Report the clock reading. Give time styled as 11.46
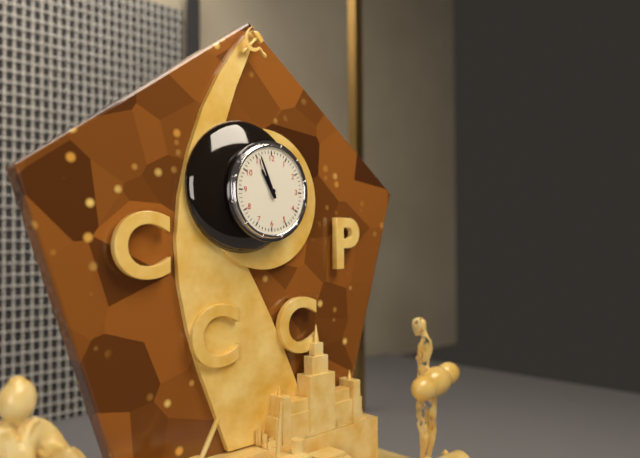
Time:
10.56
